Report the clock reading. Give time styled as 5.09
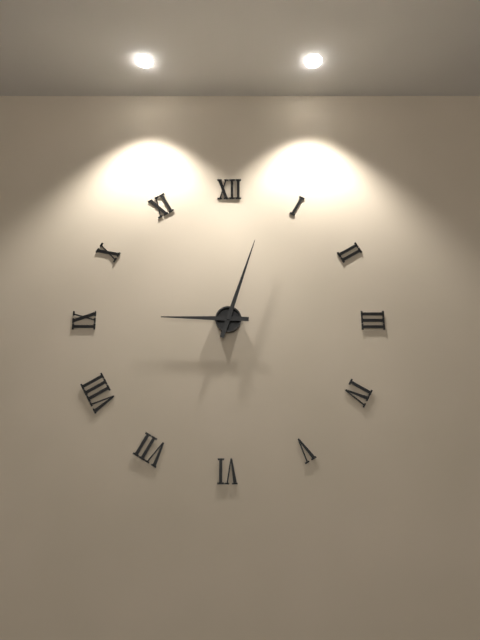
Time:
9.03
